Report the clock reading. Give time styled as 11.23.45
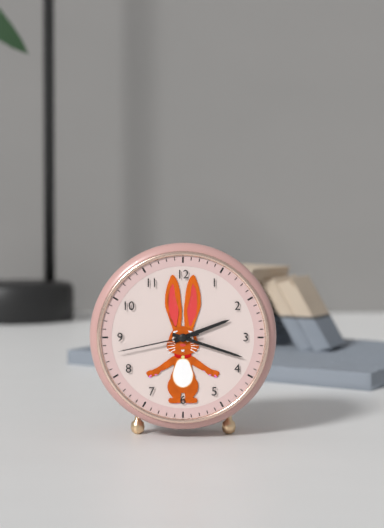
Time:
2.18.43
